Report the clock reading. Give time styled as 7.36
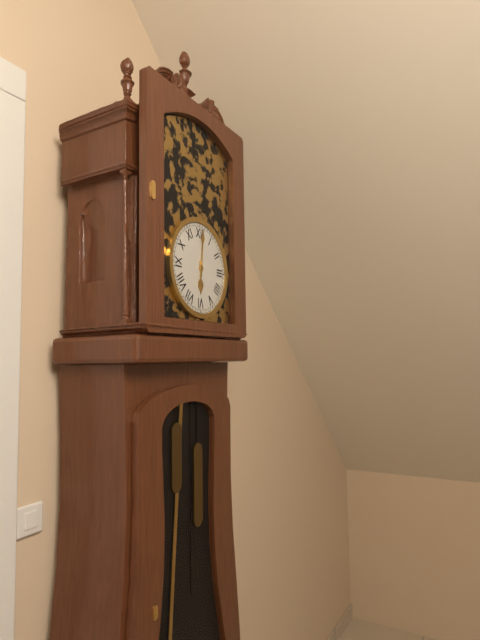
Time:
6.01
